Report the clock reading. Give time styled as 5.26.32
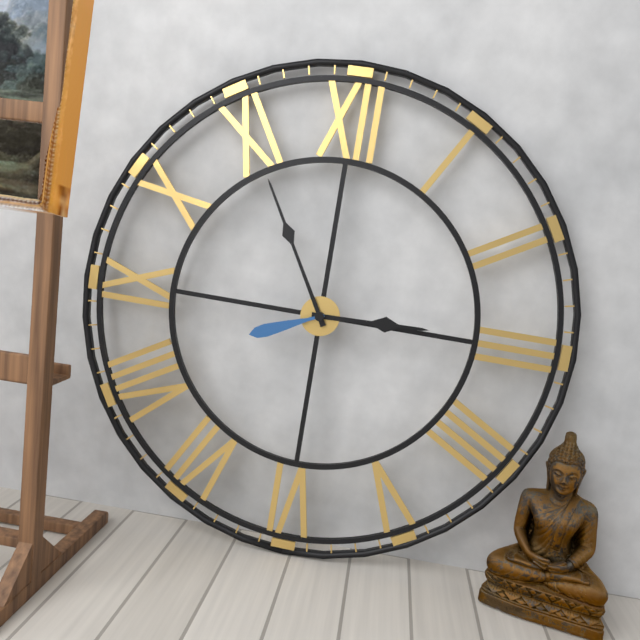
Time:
2.55.41
